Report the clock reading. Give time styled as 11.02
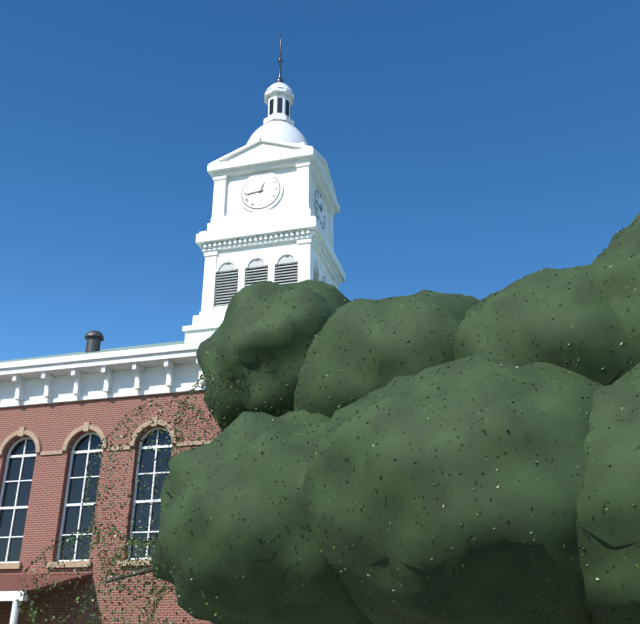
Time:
12.44
